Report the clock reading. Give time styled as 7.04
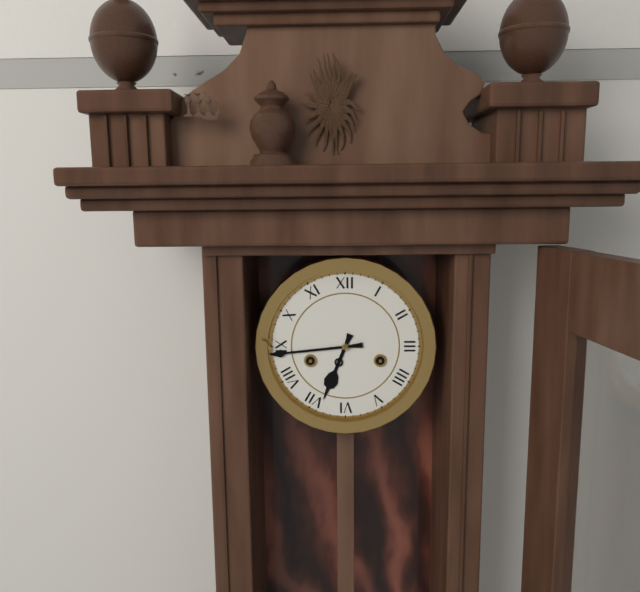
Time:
6.44
